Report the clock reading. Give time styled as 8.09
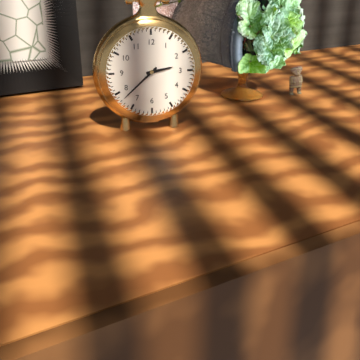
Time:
2.38
